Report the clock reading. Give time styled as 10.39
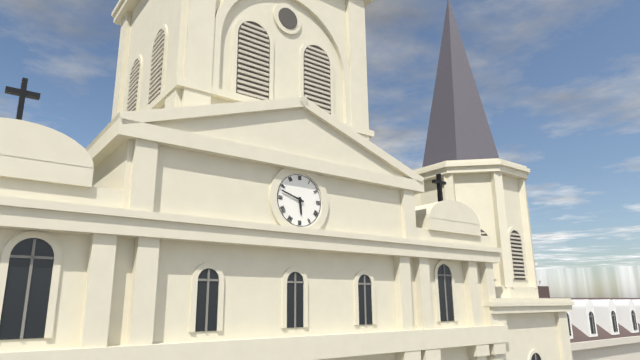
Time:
5.48
